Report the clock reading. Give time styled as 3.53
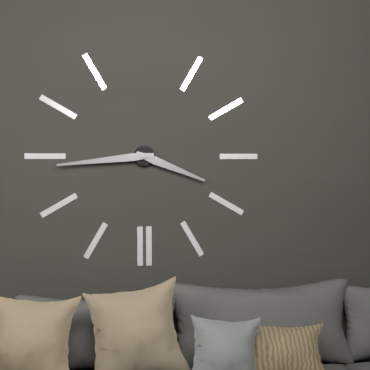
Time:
3.44
